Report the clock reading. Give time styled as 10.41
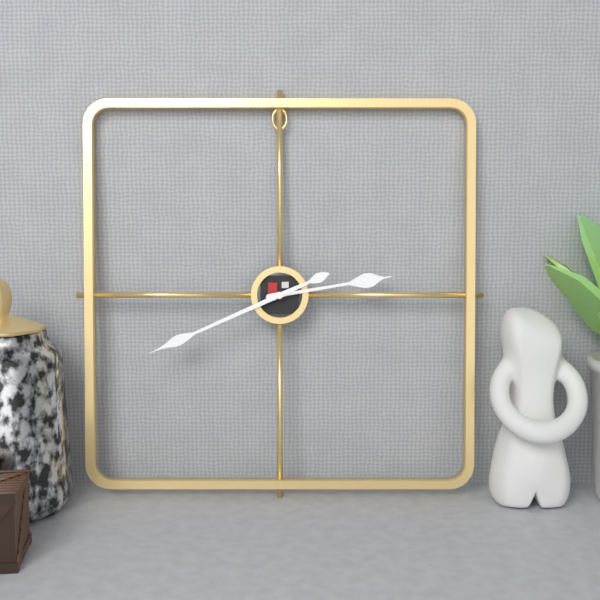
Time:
2.41
